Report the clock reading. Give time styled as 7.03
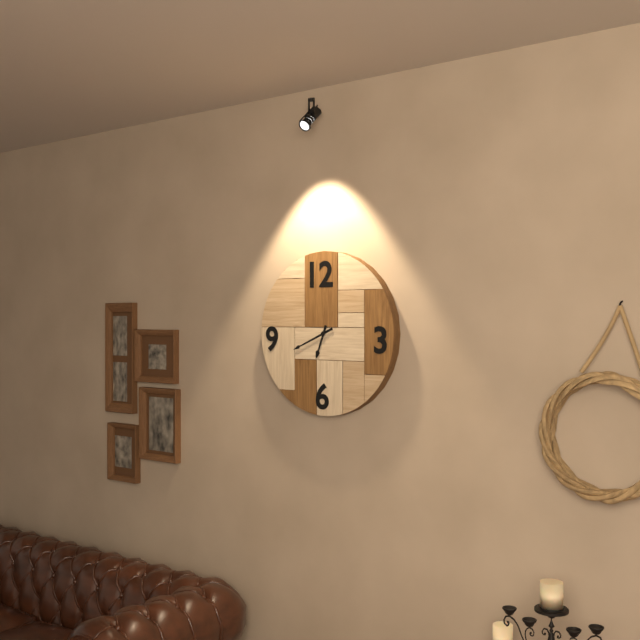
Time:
6.41
